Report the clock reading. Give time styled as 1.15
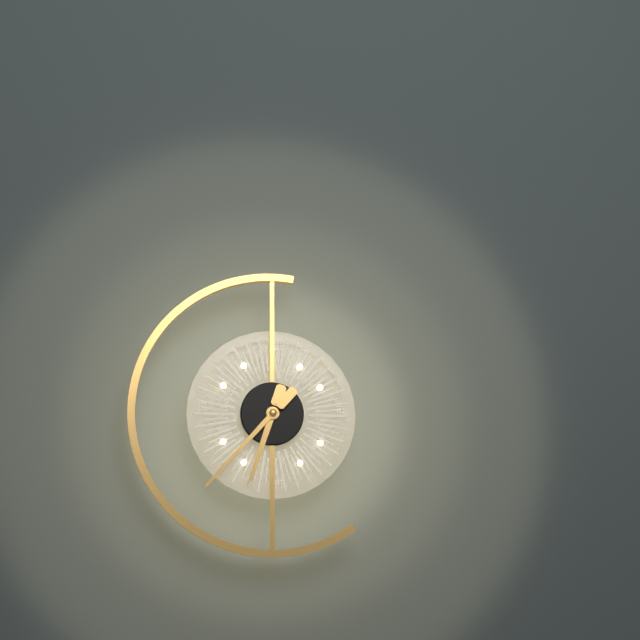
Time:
6.37
